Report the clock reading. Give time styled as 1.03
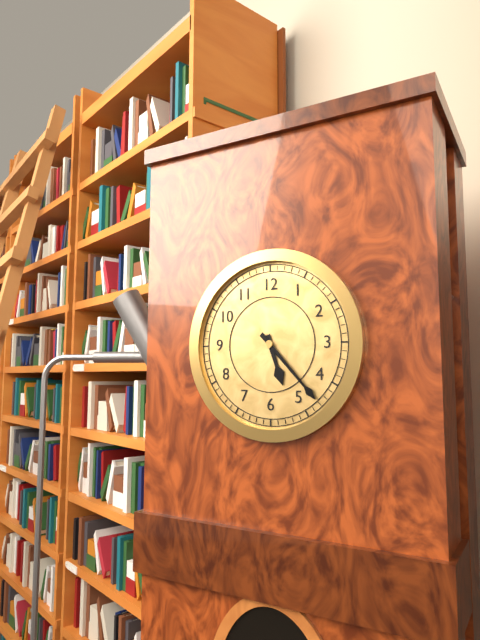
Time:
5.23
